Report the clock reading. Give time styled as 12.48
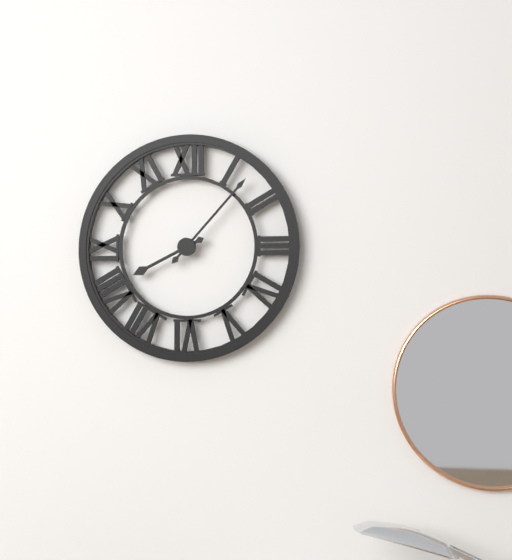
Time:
8.07
